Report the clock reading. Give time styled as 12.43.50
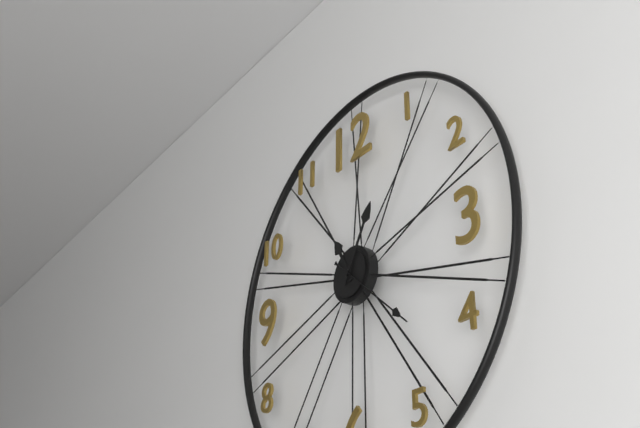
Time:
11.05.22
